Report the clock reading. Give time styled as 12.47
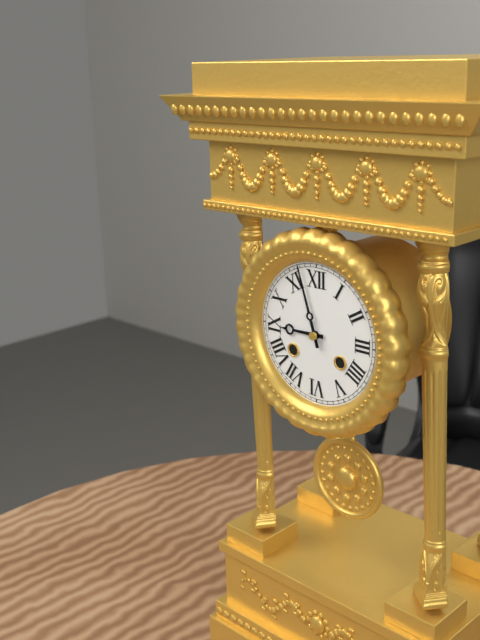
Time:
8.57
